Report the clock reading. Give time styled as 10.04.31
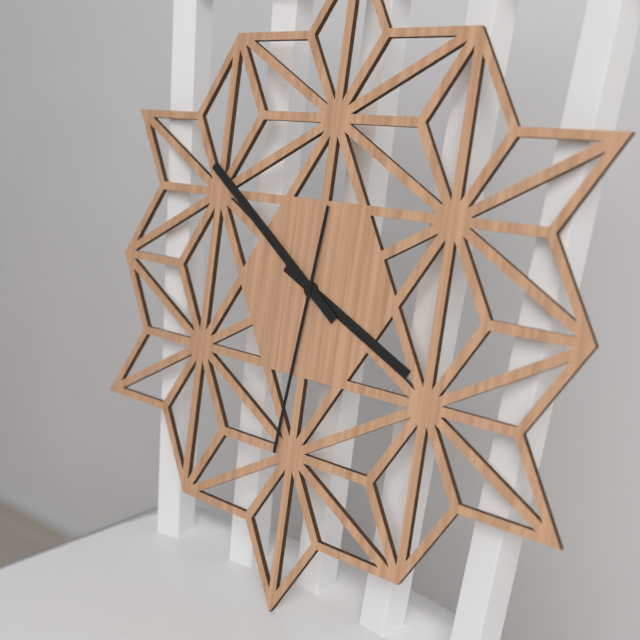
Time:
3.51.31
